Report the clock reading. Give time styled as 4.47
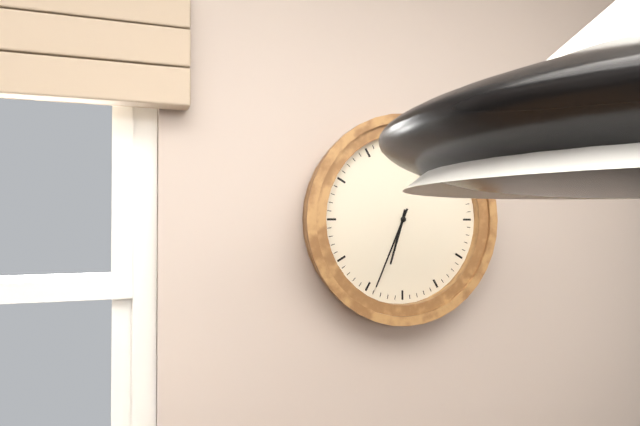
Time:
6.34
